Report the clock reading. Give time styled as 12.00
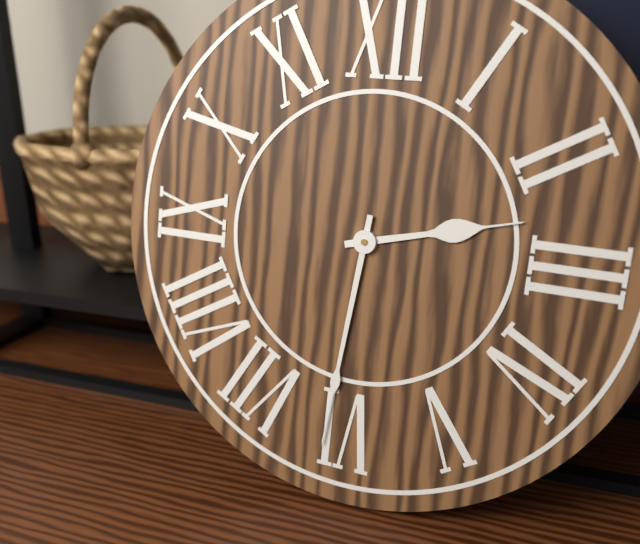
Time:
2.31
